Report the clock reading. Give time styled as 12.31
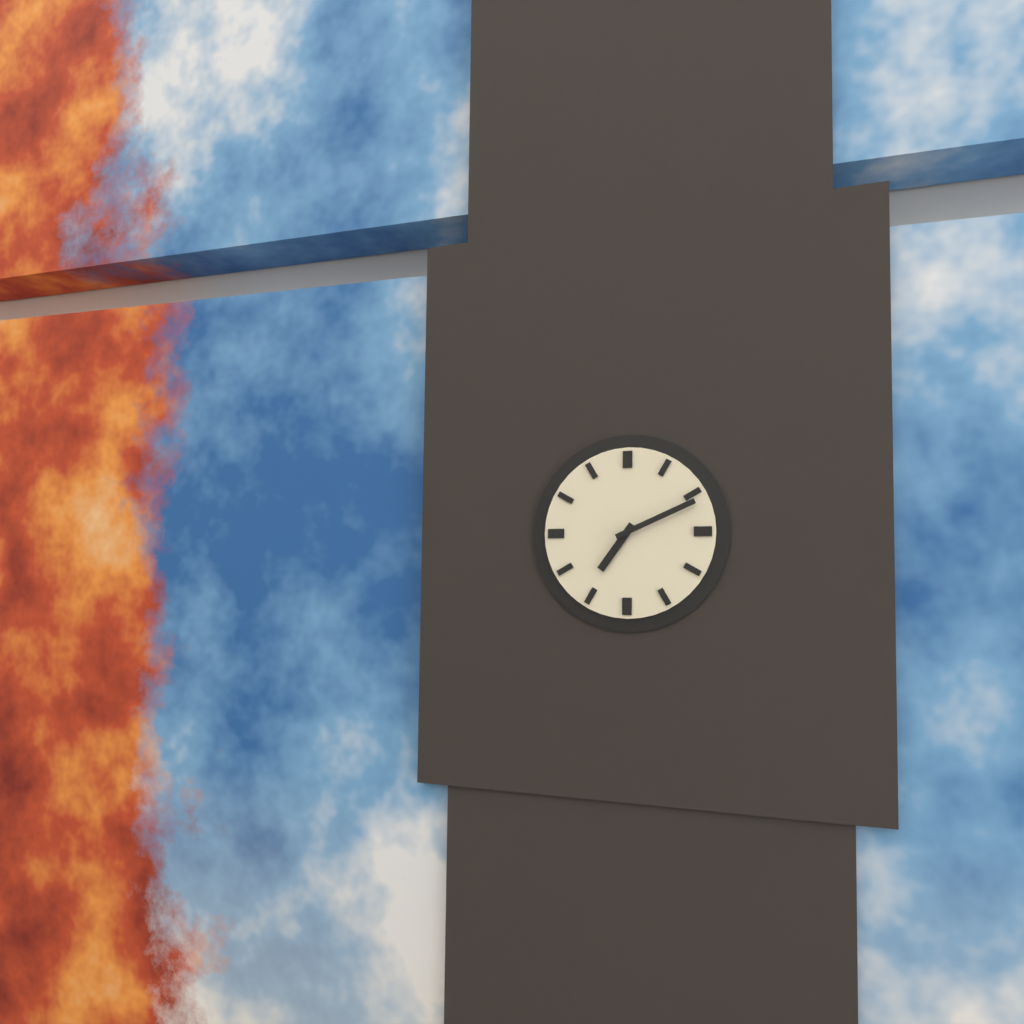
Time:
7.11
